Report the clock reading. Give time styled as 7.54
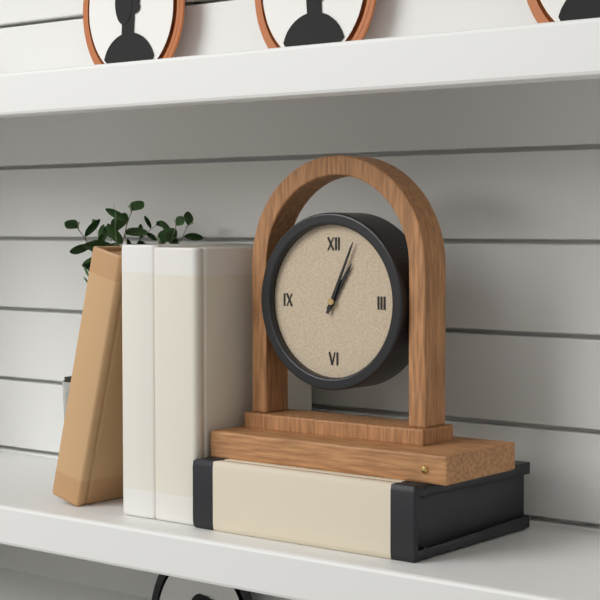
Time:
1.04
